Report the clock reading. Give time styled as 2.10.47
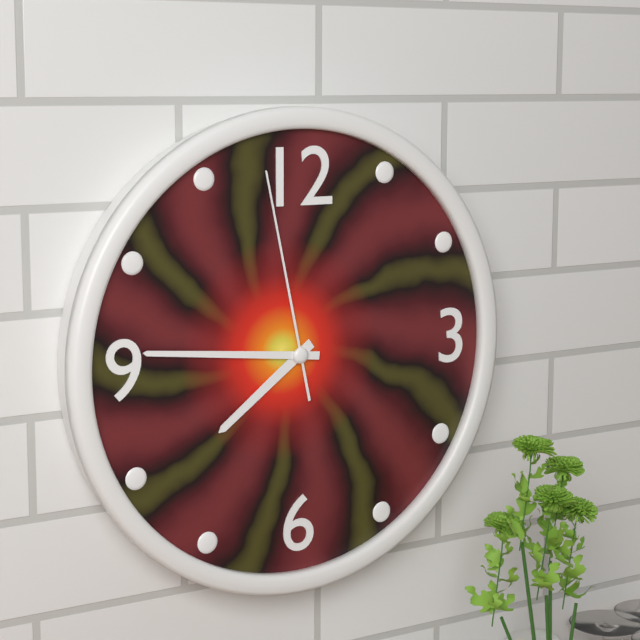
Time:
7.46.58
